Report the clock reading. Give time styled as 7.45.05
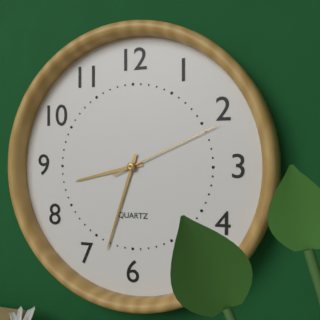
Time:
8.33.11
